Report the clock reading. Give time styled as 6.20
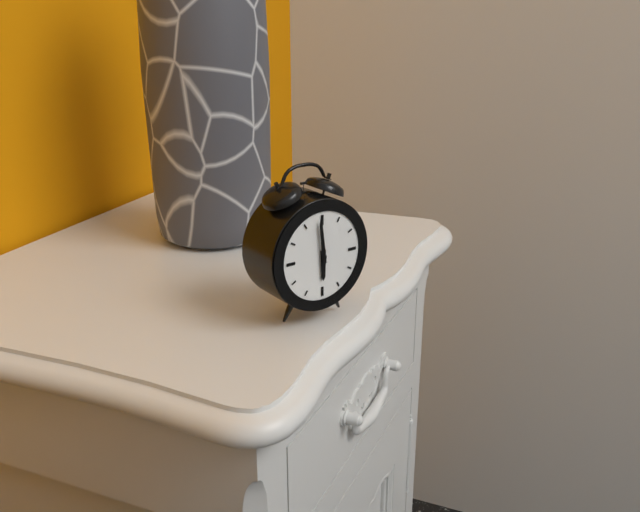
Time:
5.59
